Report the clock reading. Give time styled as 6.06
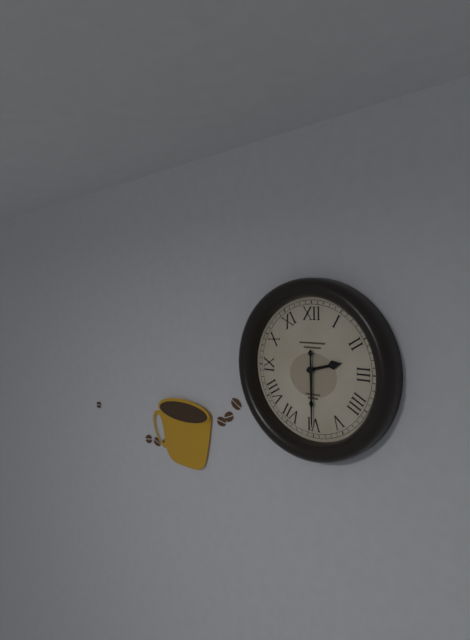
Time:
2.30
